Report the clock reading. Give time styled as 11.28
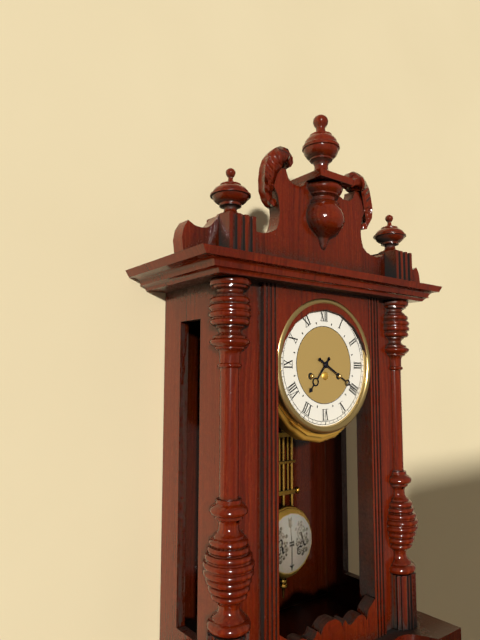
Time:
7.20
